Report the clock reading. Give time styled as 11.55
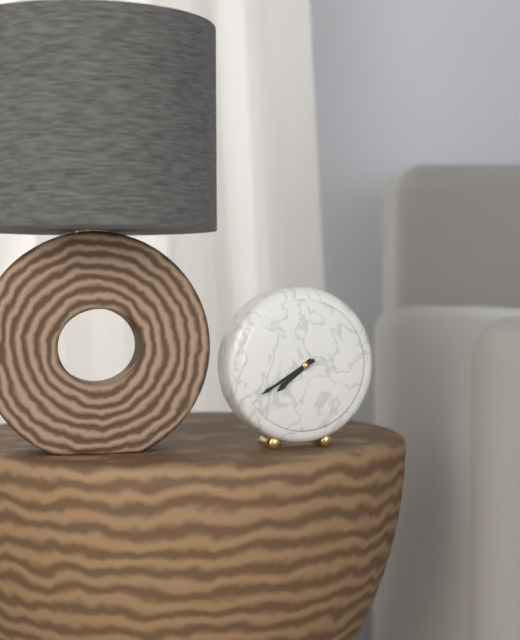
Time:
7.40
